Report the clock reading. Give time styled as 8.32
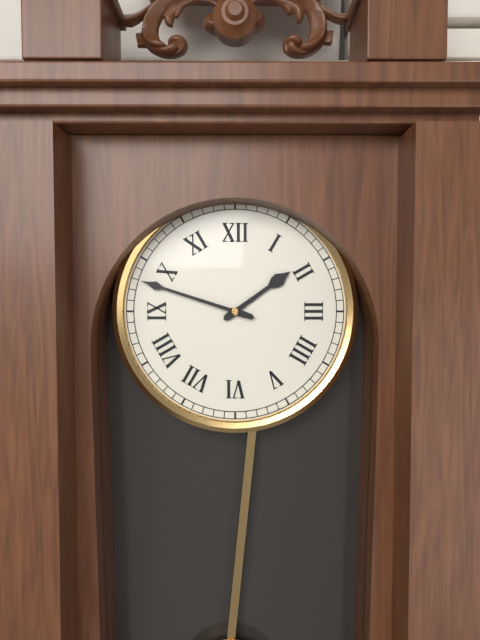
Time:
1.48
